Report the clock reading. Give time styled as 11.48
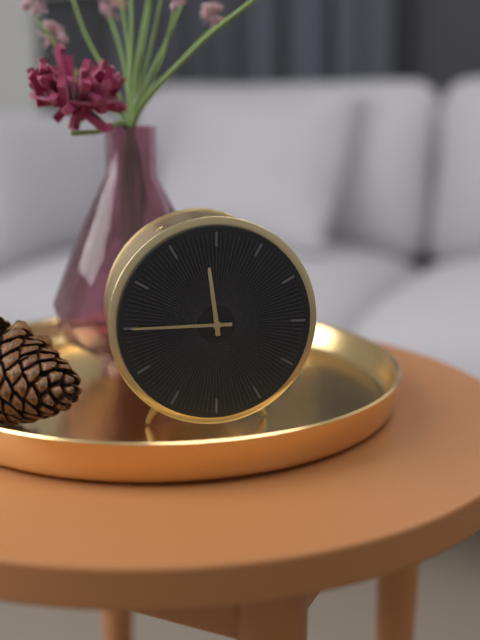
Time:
11.45
